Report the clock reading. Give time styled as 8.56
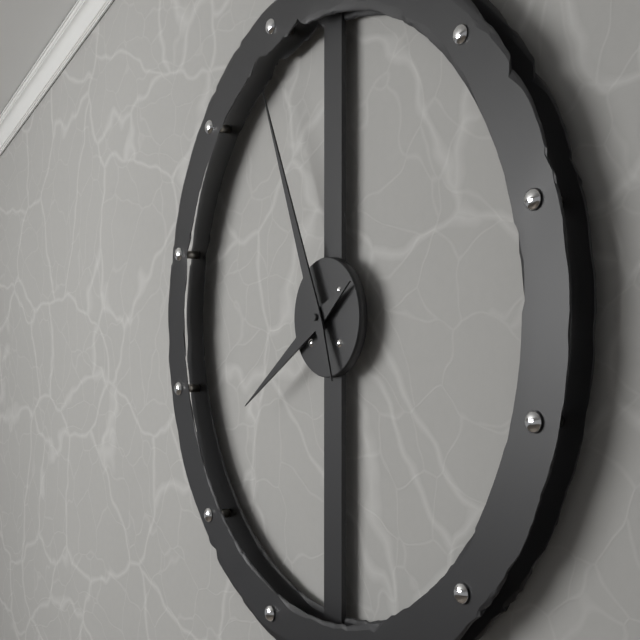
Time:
7.56
